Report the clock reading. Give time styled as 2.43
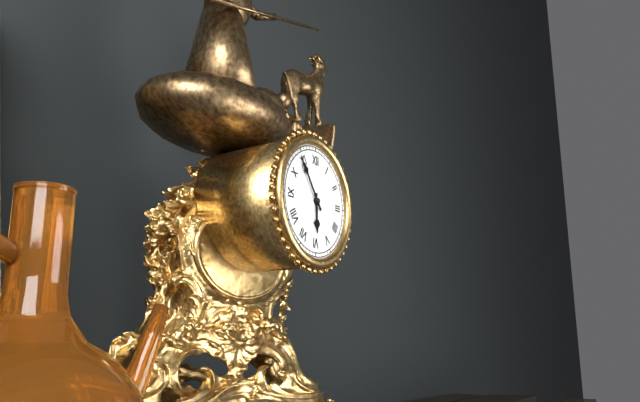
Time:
5.54
